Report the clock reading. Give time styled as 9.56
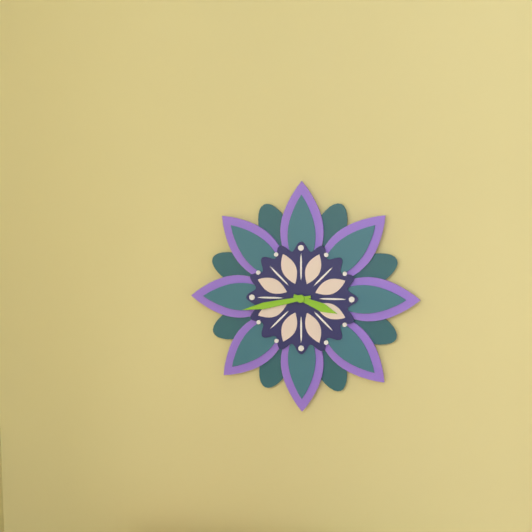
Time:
3.43
